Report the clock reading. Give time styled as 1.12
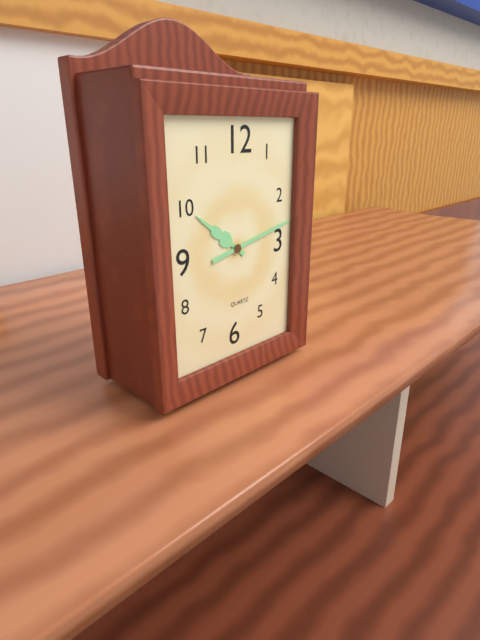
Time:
10.13
